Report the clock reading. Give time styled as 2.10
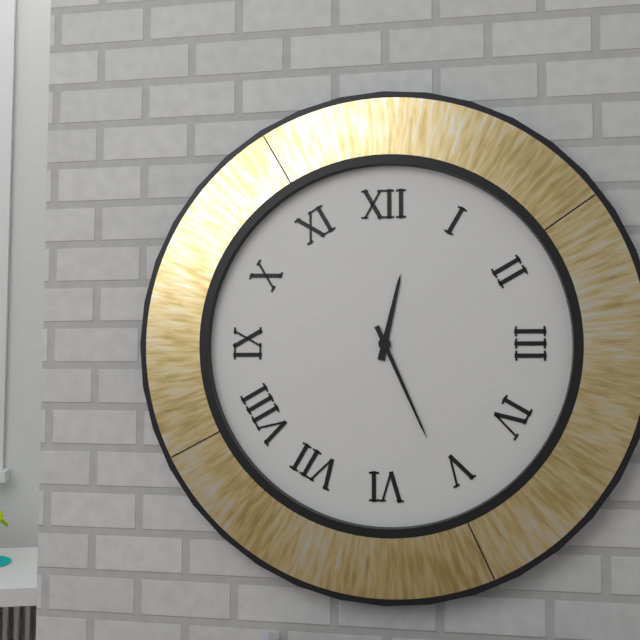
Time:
12.26
